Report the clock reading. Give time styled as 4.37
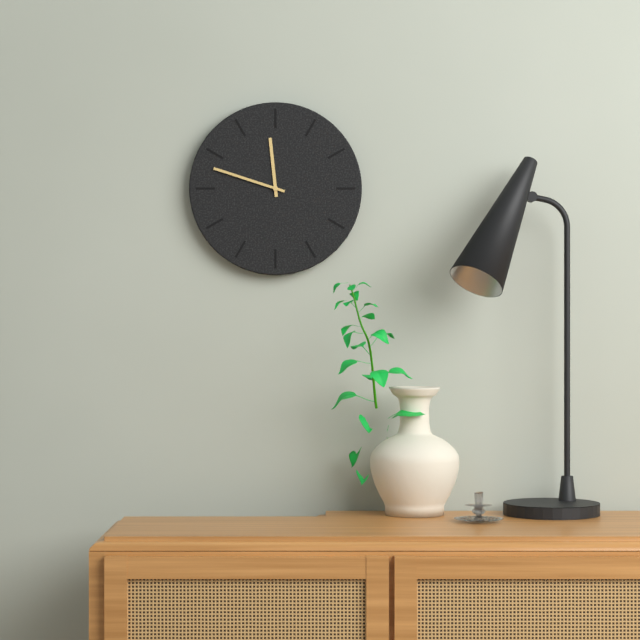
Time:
11.48
